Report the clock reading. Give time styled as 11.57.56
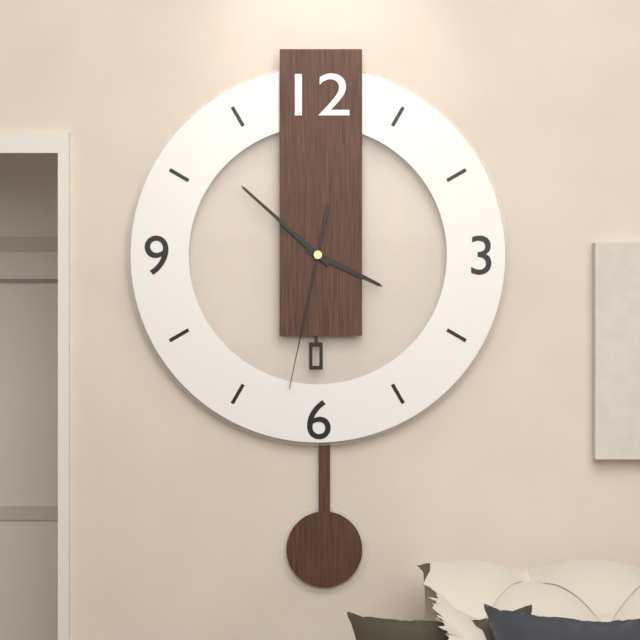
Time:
3.52.32
